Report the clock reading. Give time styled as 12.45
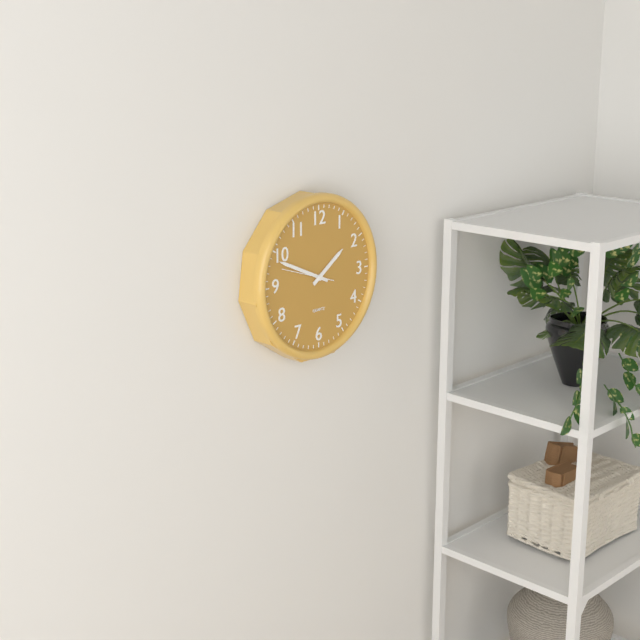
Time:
1.49
